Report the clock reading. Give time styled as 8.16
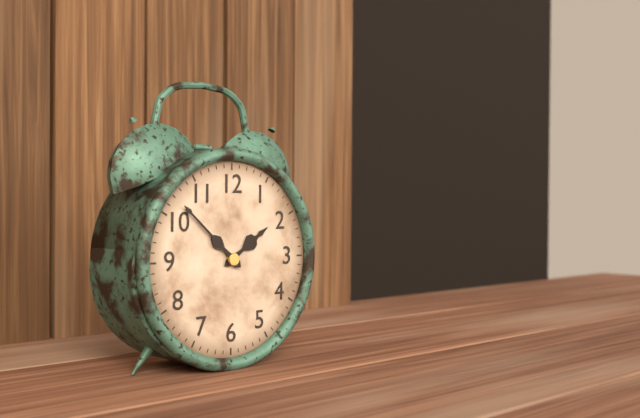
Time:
1.52
